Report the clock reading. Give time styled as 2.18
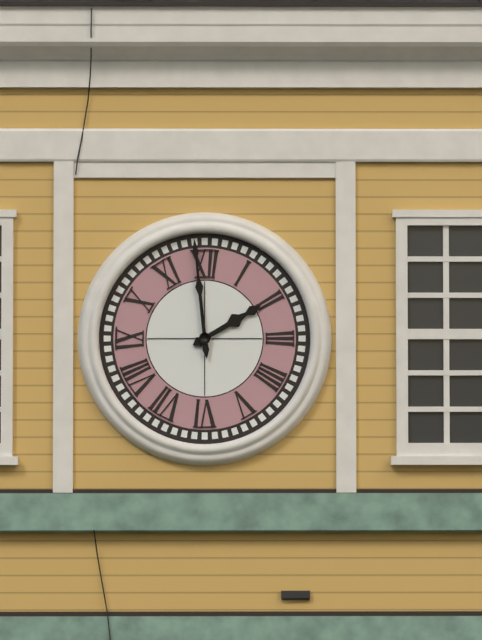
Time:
1.59
